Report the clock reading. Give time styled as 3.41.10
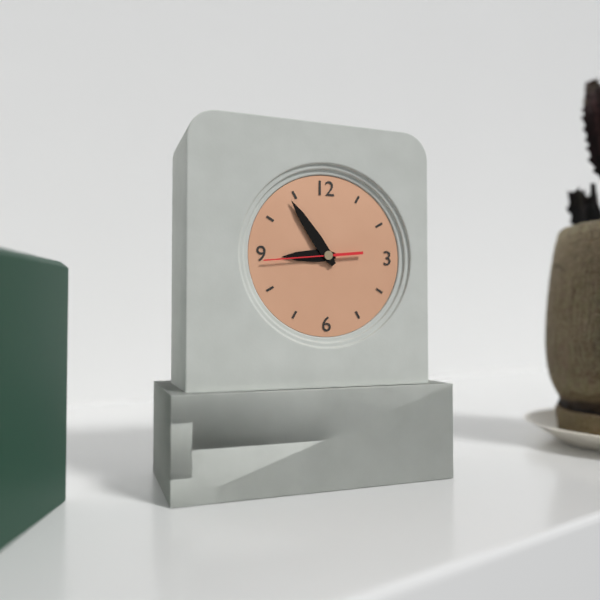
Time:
8.54.44
